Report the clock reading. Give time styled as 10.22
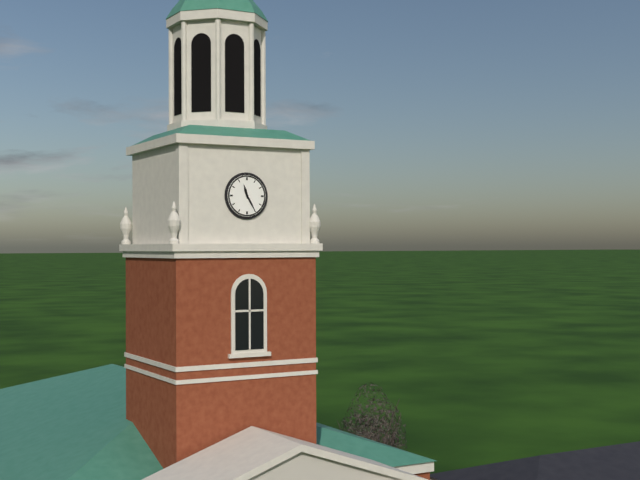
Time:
11.25
